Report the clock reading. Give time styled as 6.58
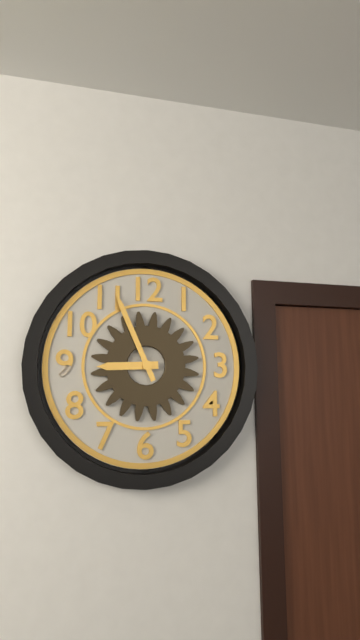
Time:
8.56
